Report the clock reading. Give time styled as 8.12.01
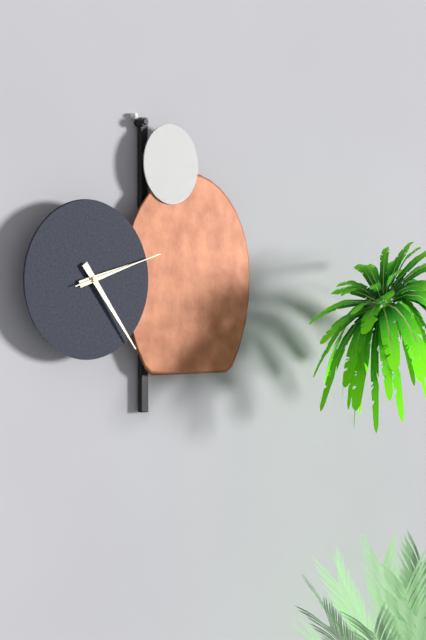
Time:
2.24.12
